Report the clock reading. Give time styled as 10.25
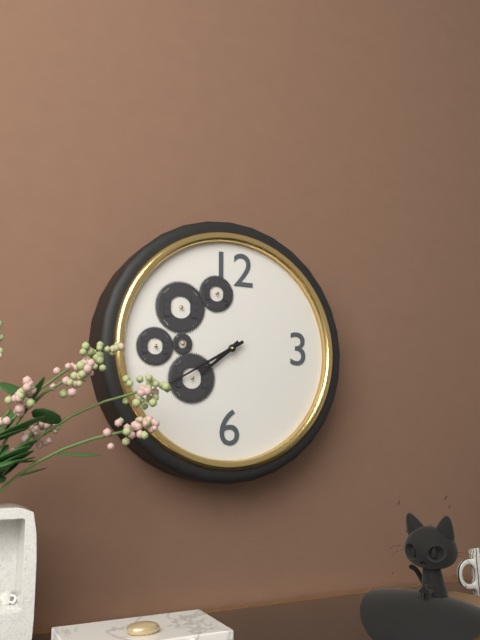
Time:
7.40
